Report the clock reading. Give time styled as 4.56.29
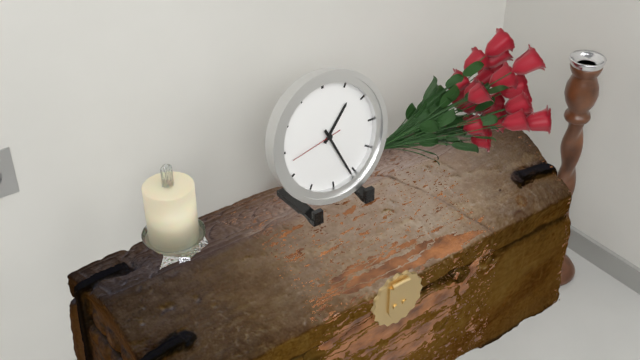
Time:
1.26.43
